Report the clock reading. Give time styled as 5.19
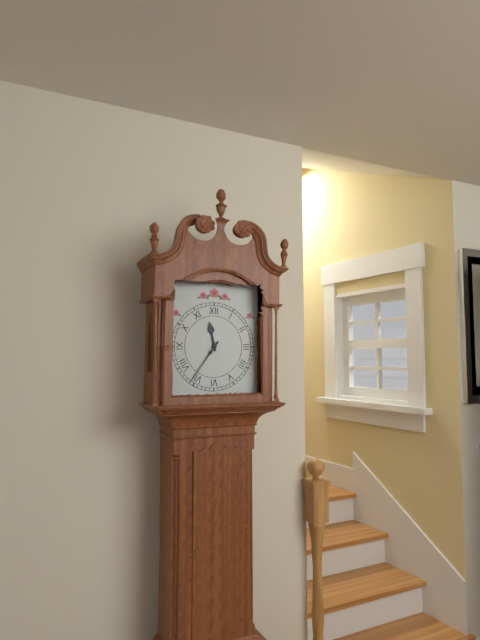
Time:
11.36
